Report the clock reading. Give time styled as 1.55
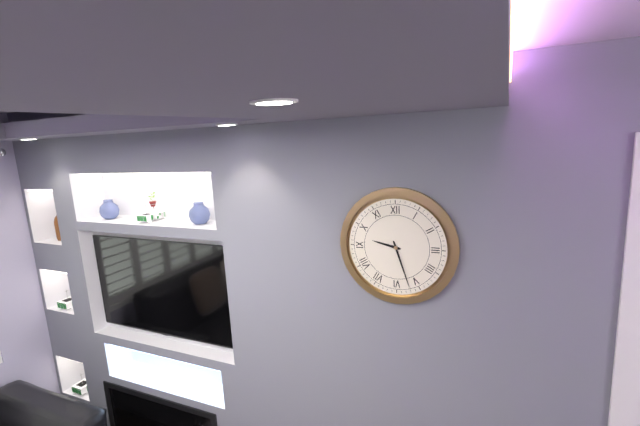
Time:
9.27
